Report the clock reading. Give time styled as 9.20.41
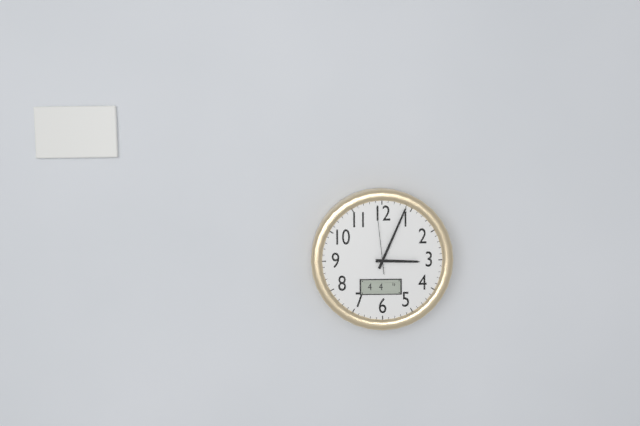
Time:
3.04.59
